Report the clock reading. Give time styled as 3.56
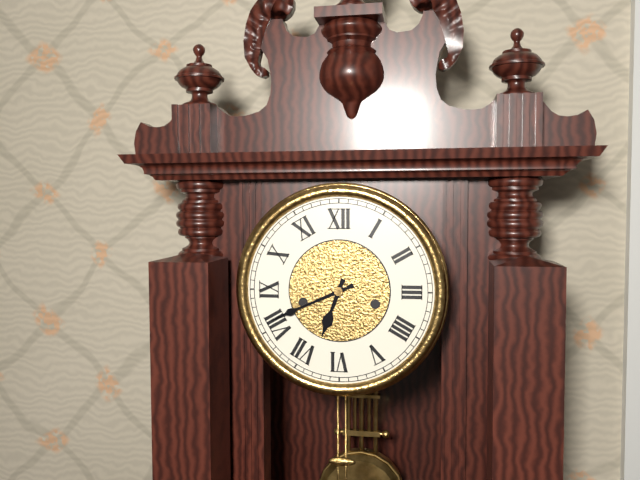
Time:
6.41
